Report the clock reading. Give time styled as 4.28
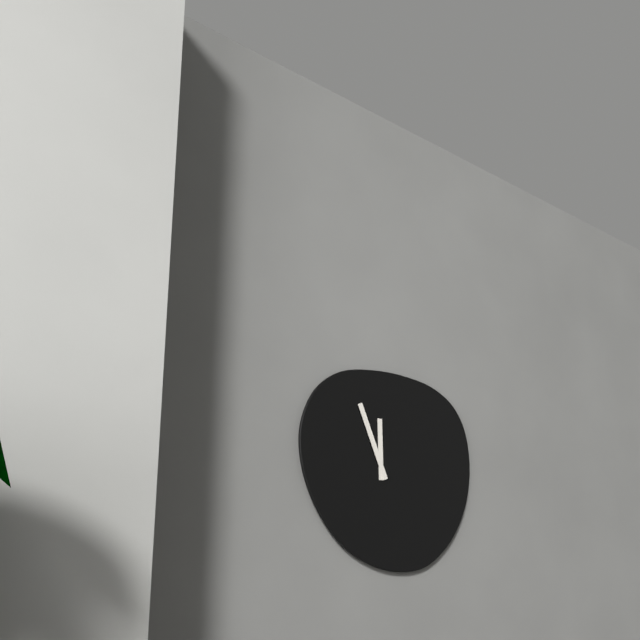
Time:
11.56
